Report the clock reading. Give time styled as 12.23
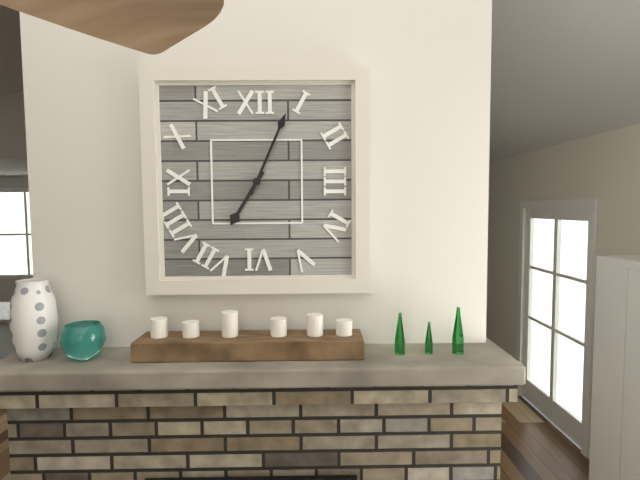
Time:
7.04
